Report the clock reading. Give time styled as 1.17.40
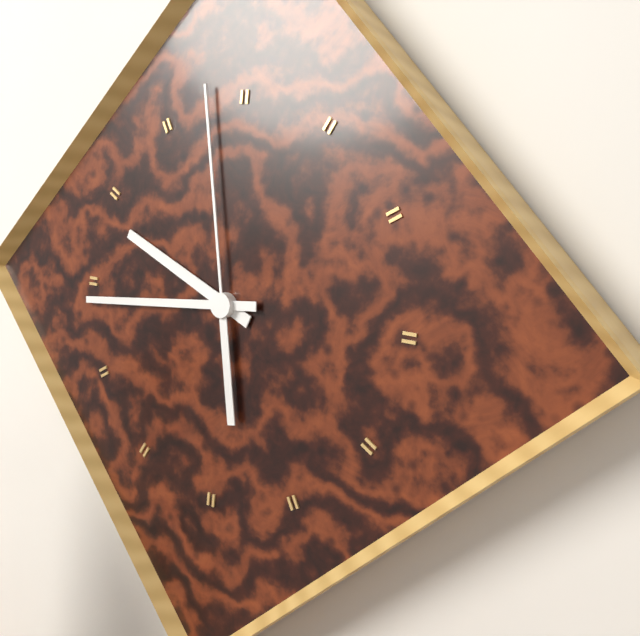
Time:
9.44.58
